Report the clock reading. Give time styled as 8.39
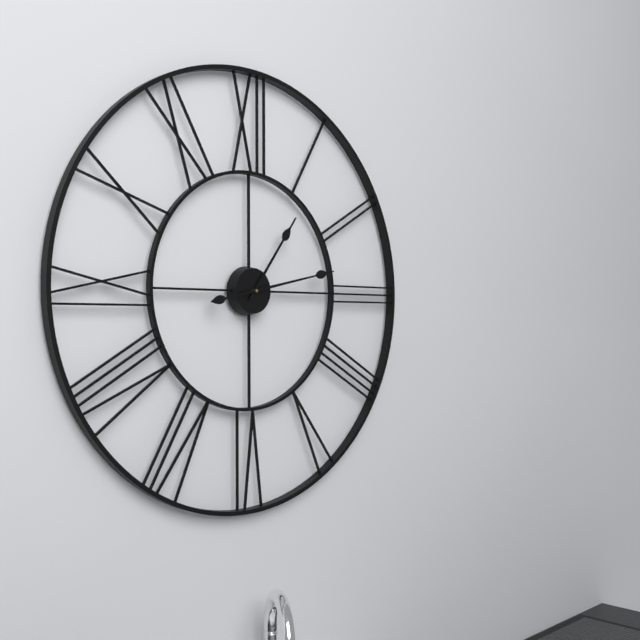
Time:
1.13
